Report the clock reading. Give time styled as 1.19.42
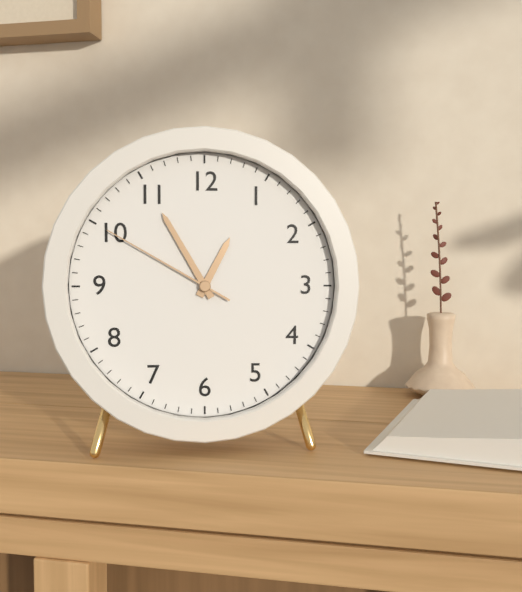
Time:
12.55.50
